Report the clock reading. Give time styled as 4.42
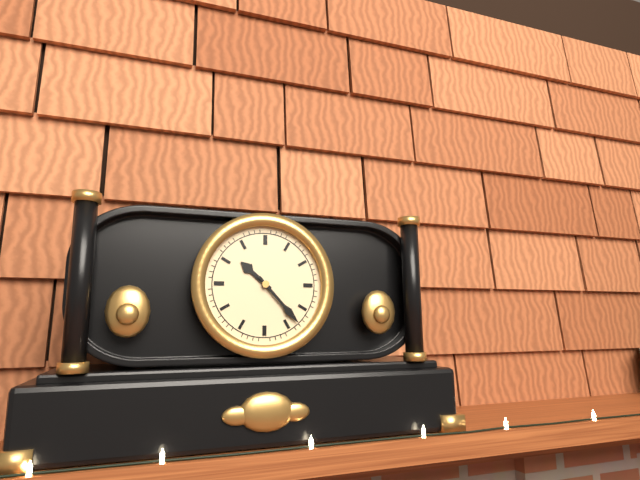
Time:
10.23
